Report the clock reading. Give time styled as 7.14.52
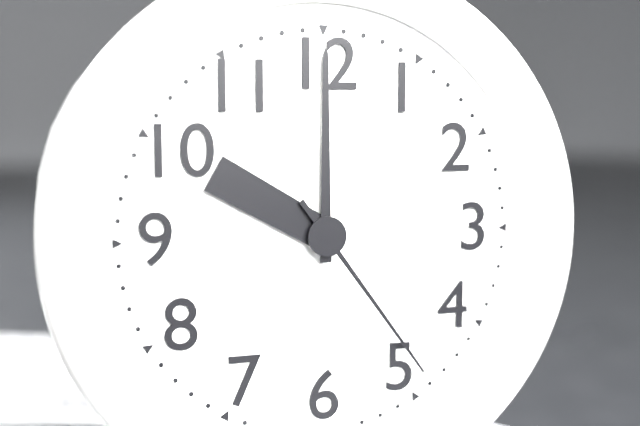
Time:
10.00.24
